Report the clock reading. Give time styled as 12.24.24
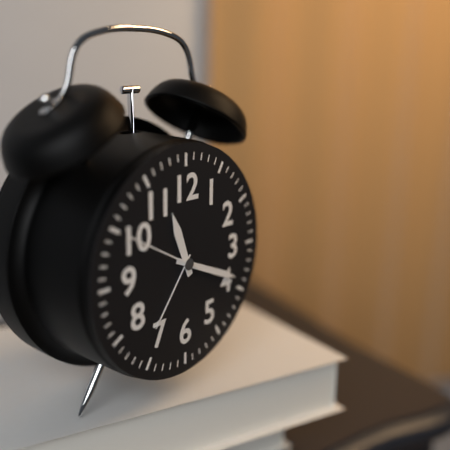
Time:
11.19.50
